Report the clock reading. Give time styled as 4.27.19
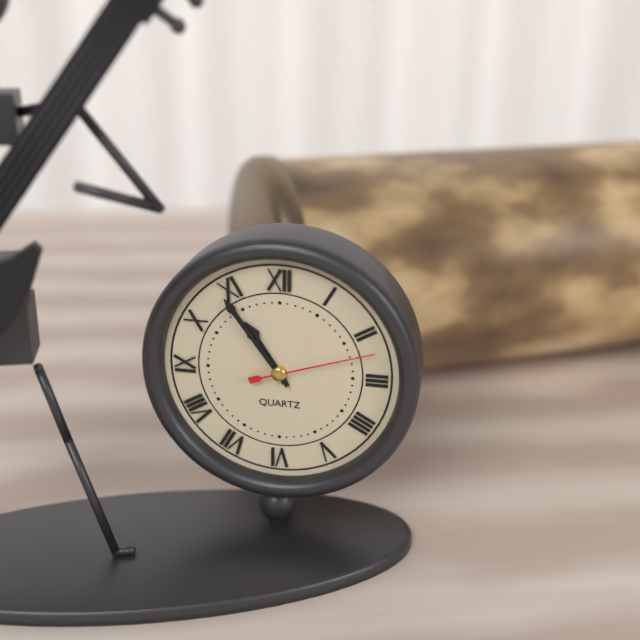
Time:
10.54.12
